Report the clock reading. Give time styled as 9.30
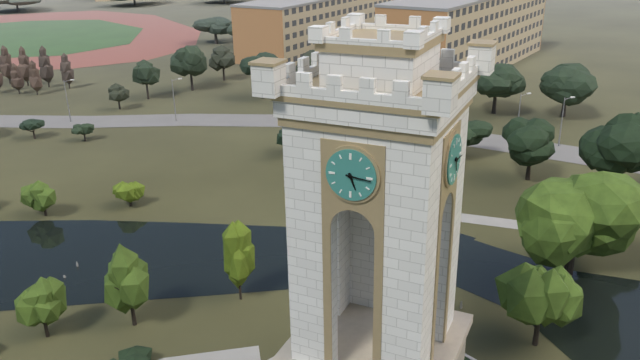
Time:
5.16
